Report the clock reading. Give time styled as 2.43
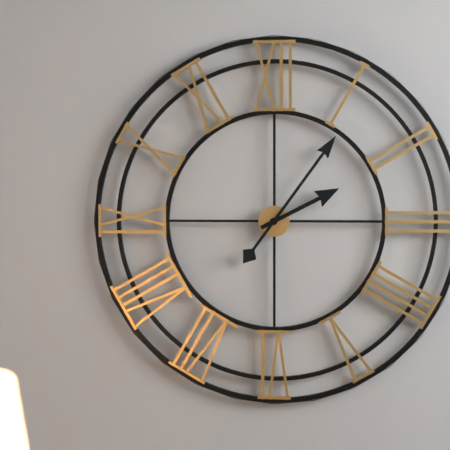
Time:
2.06
